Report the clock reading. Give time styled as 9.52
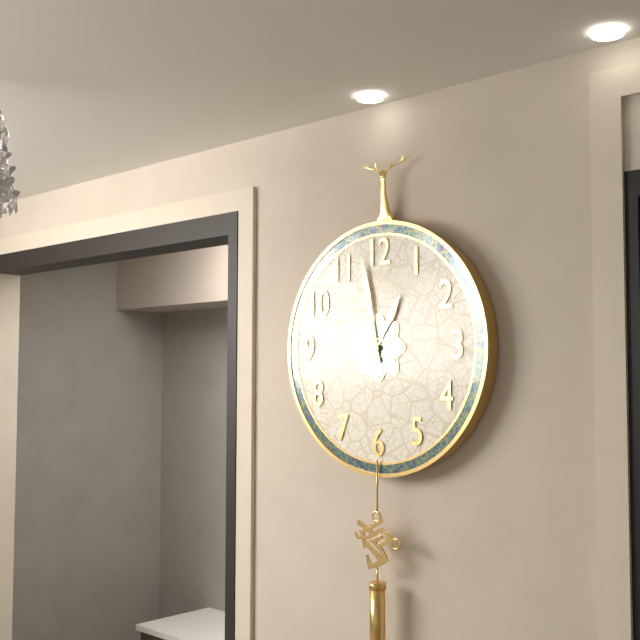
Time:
12.58
